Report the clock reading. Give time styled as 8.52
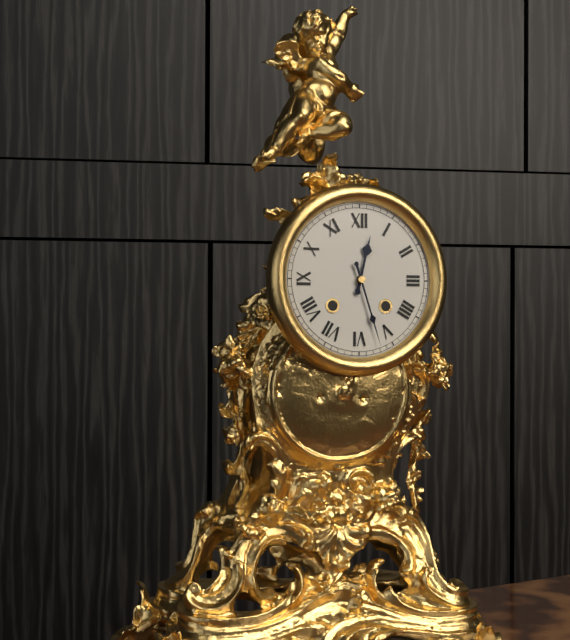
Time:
12.27
